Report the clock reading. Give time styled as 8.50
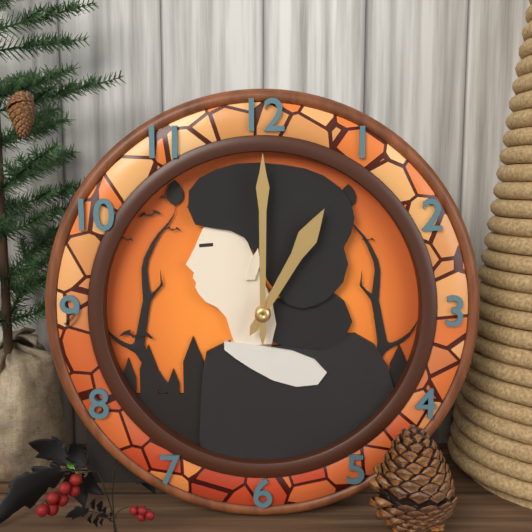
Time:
1.00
